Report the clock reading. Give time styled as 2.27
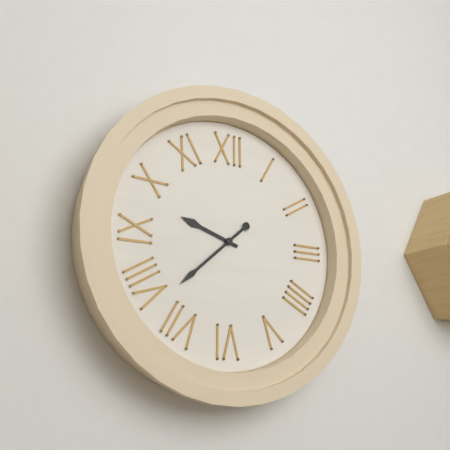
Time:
9.38
